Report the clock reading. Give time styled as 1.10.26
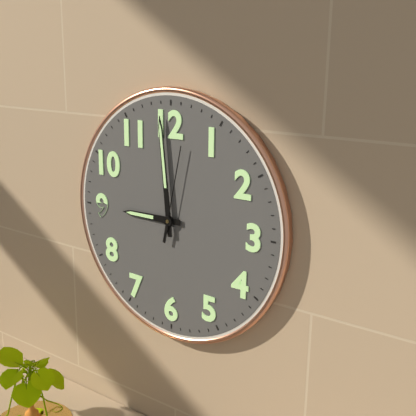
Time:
8.59.02
